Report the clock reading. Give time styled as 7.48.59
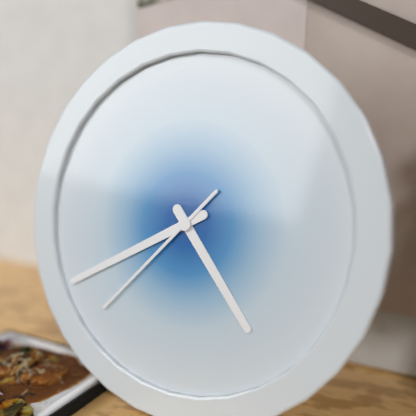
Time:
4.40.37
